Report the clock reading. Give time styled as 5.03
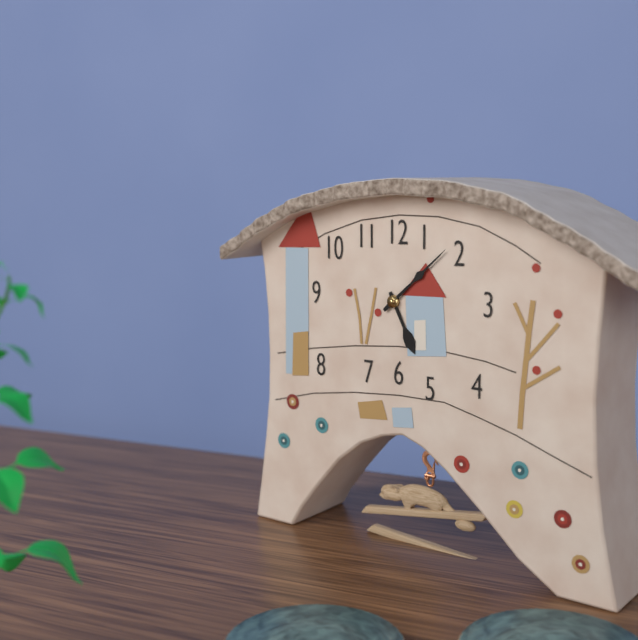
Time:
5.08
